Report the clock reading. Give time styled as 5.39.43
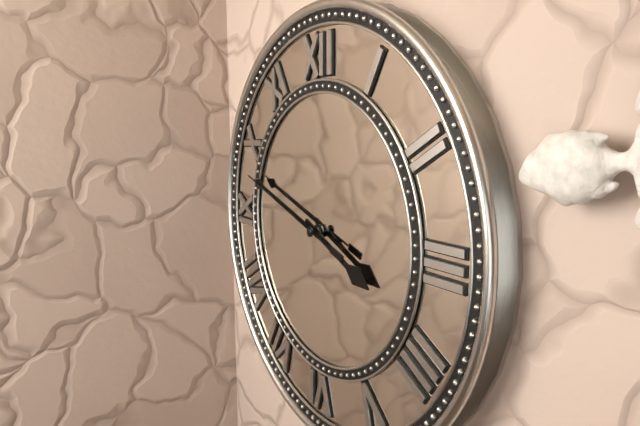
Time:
3.48.48
